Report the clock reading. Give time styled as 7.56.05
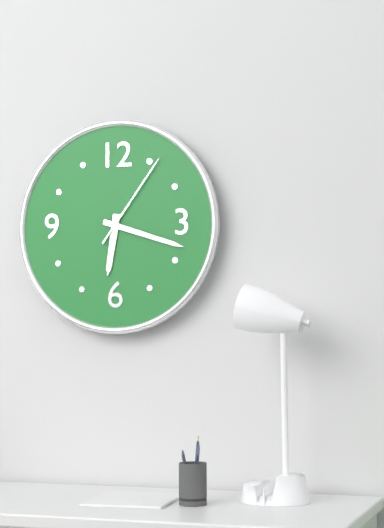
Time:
6.18.06
